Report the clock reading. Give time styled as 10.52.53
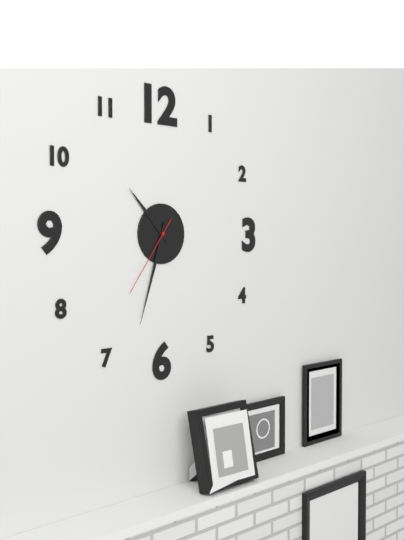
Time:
10.33.36
